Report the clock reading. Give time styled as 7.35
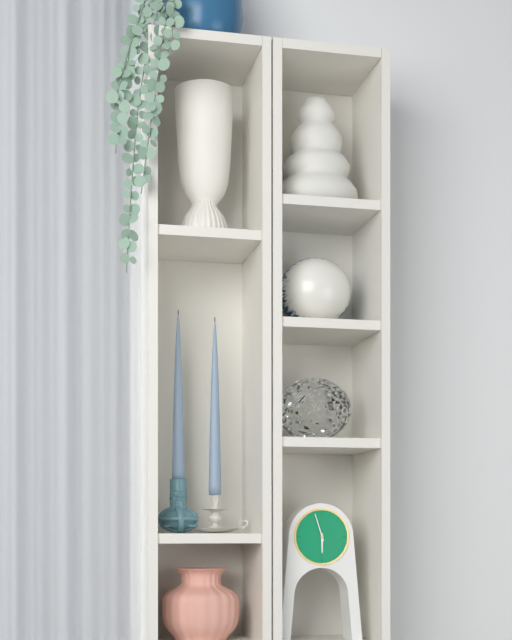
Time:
5.57
